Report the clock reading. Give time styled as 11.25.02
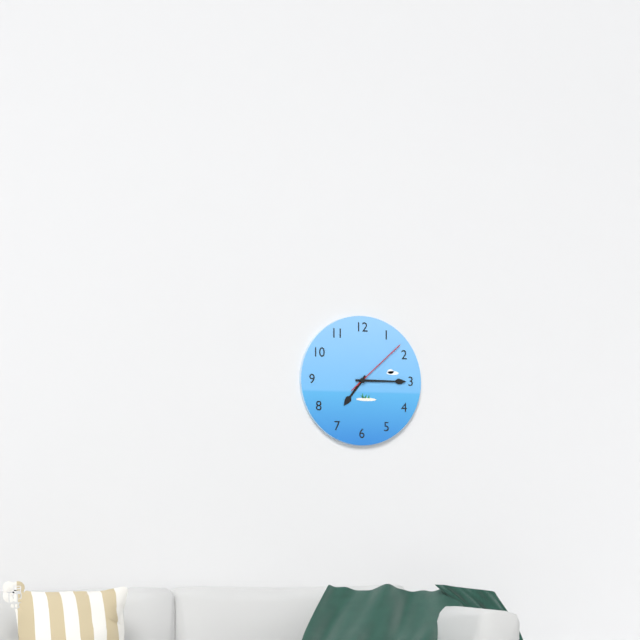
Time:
7.15.08
